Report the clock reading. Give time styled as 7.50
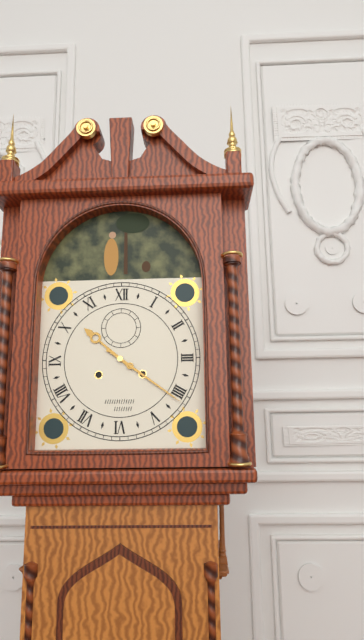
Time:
10.21
